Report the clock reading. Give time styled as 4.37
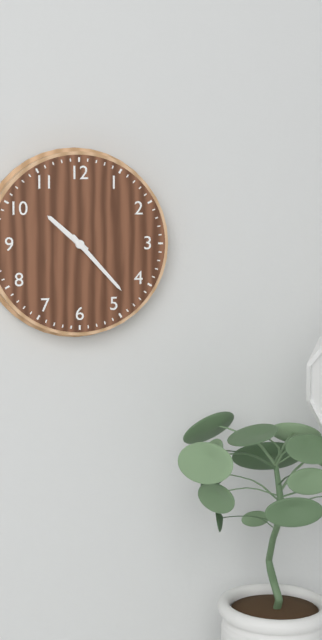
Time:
10.23
